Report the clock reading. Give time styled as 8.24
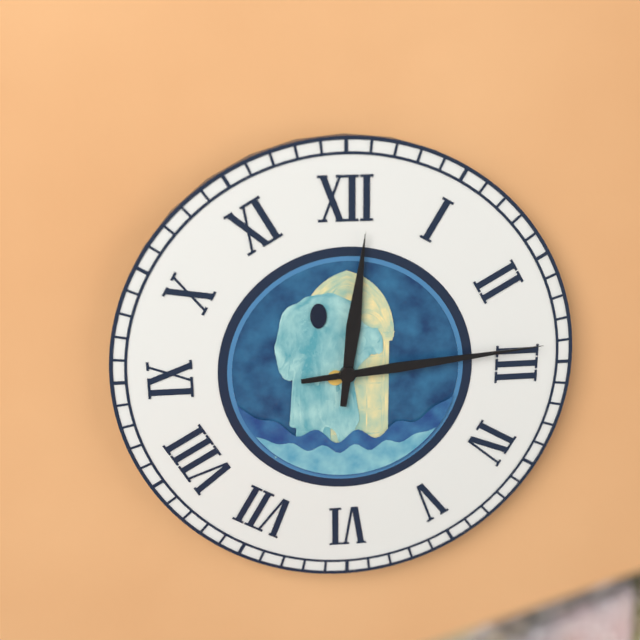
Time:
12.14
